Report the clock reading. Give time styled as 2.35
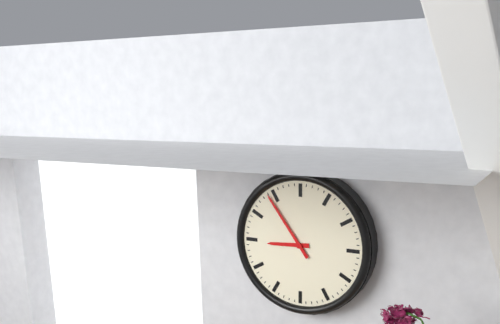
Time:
8.54
